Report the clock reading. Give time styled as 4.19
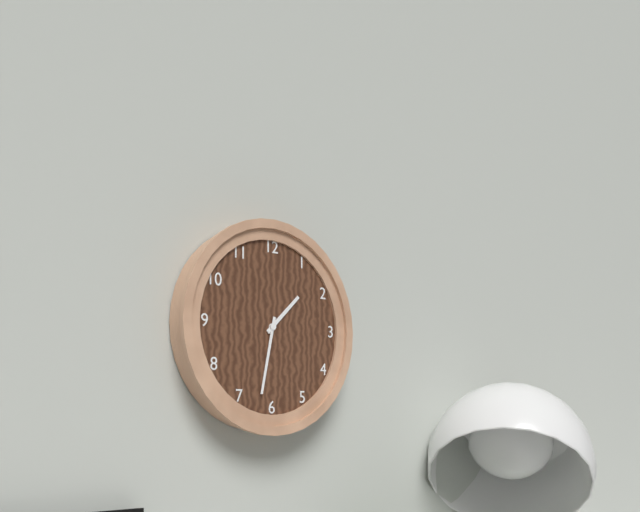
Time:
1.32
